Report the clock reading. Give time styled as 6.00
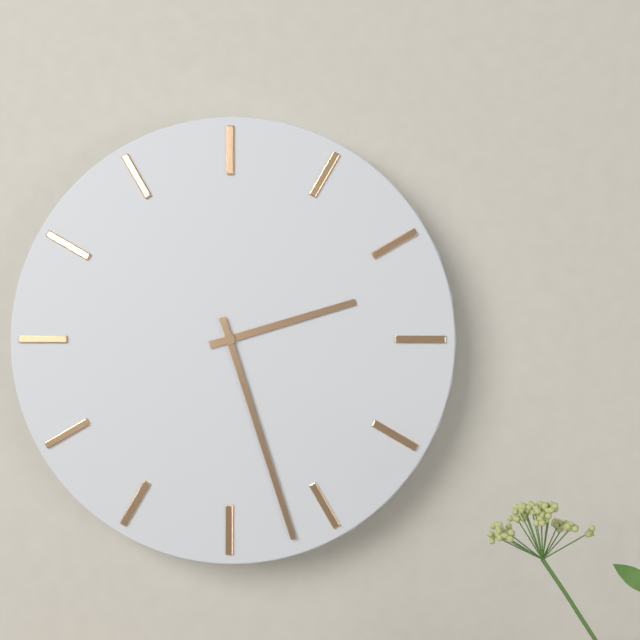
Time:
2.27
